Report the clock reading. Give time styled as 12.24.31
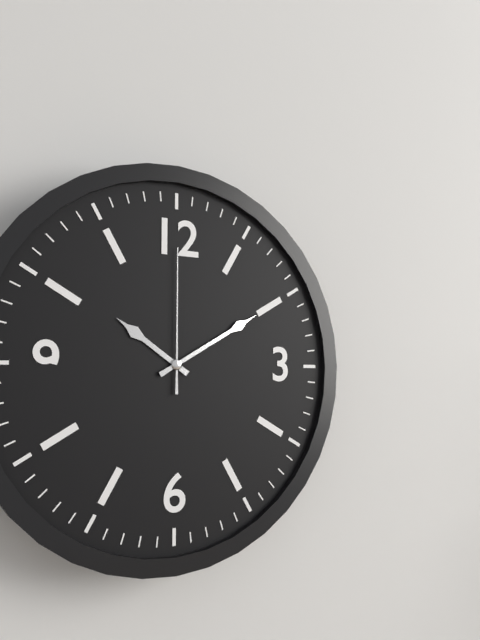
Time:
10.10.00
